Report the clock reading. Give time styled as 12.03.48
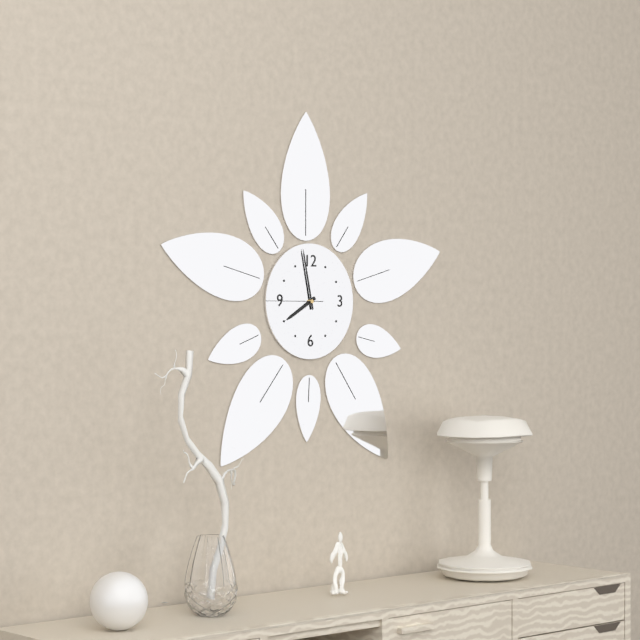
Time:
7.58.45
